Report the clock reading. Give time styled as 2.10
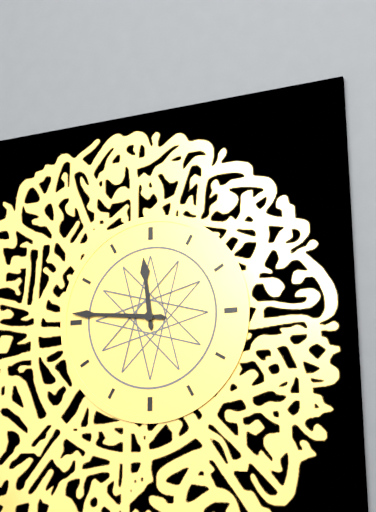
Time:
11.46
